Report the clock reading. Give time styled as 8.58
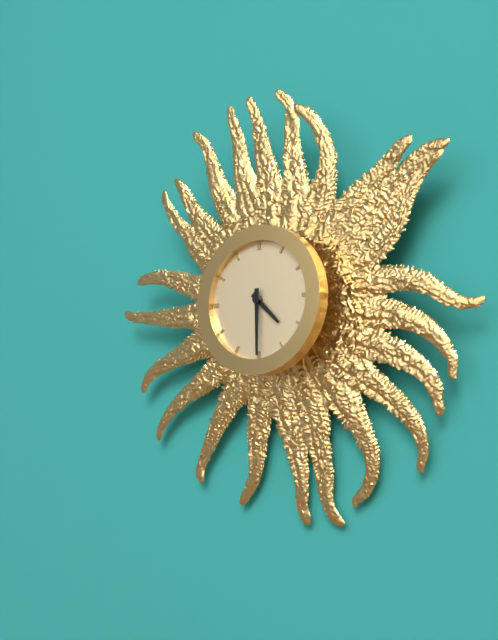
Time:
4.30
